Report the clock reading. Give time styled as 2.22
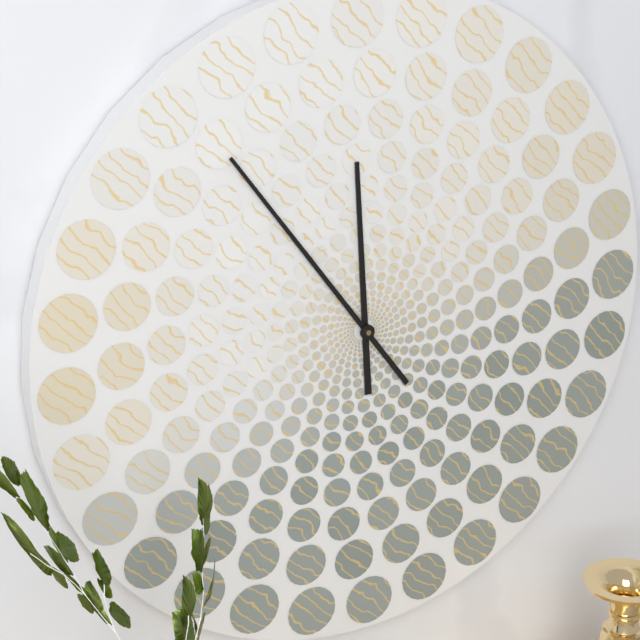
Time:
11.54
